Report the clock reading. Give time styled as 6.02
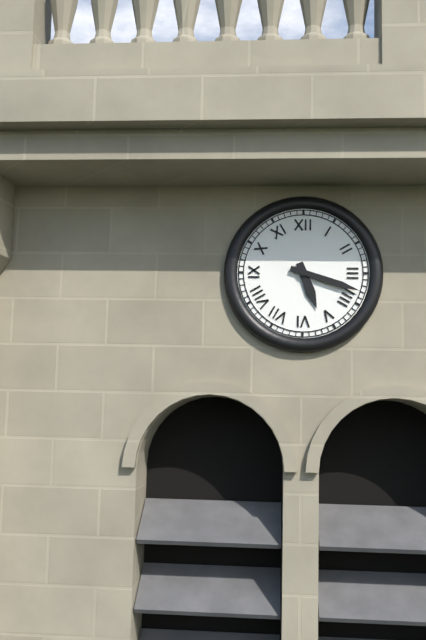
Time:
5.18
